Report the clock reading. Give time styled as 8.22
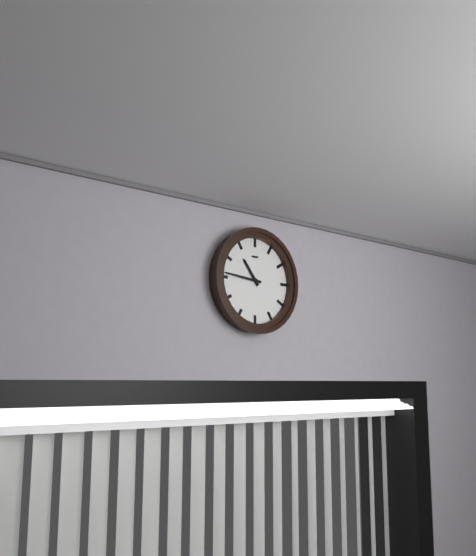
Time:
10.46
